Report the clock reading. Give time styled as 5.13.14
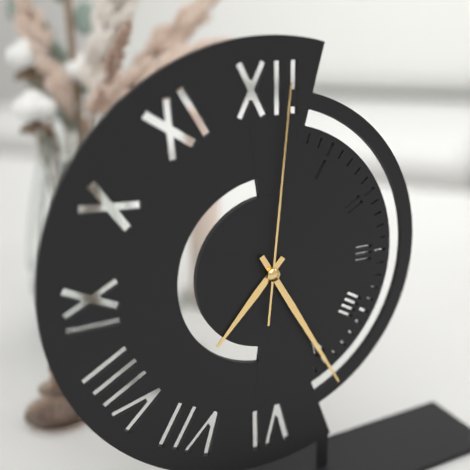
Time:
7.25.01
